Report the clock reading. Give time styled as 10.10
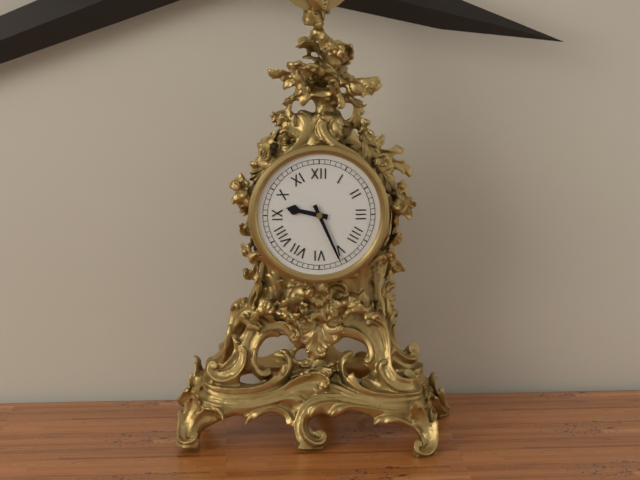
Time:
9.26
